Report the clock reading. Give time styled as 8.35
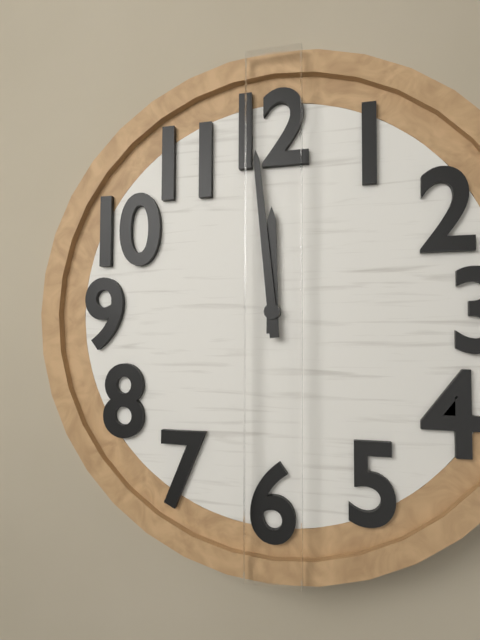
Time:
11.59
